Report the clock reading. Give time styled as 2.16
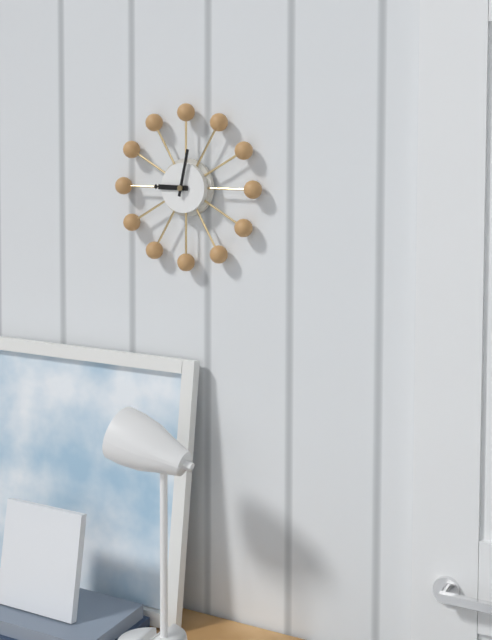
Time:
9.02
